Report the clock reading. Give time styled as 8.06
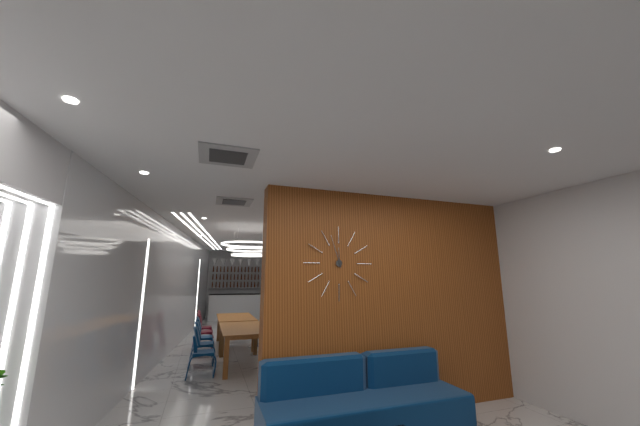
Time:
11.57
